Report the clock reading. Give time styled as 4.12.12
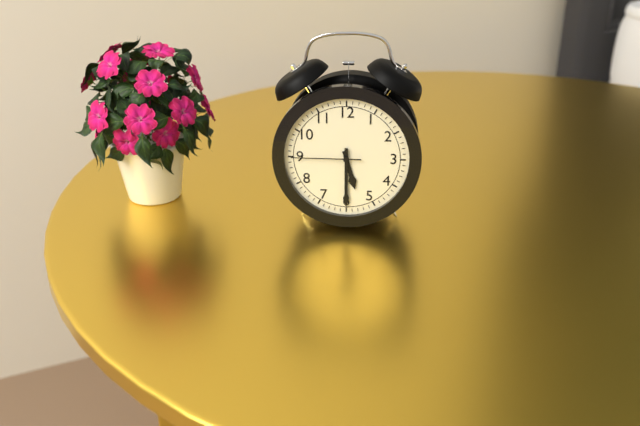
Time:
5.30.45
